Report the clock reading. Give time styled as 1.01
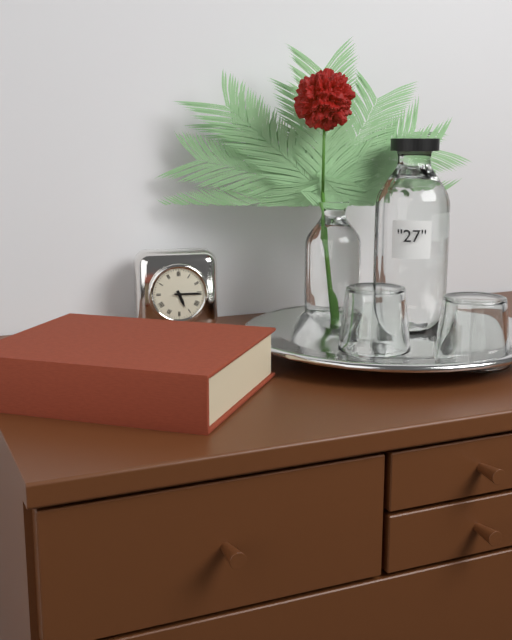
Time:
5.15
